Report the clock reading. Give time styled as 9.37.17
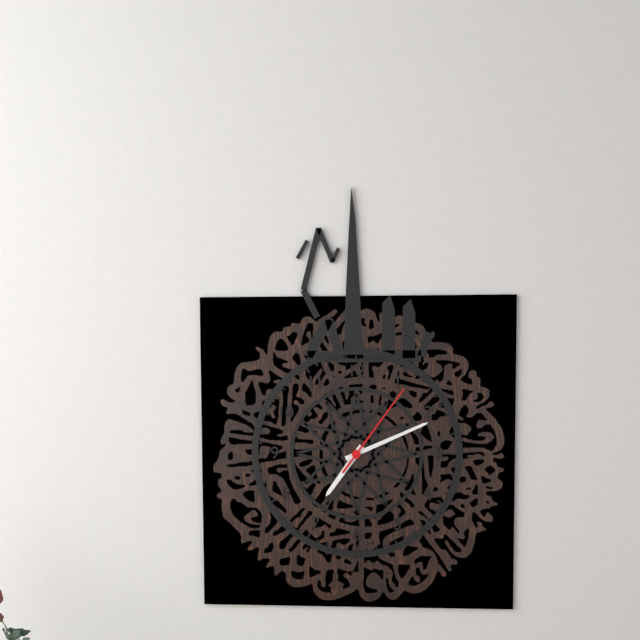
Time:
7.11.06
